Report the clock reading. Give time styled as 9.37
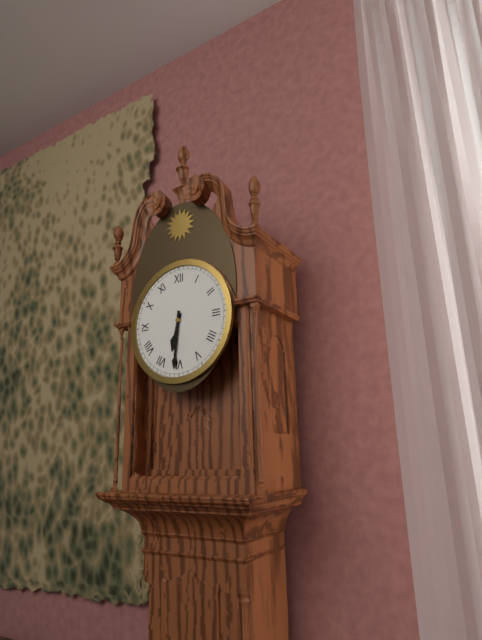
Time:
6.31
